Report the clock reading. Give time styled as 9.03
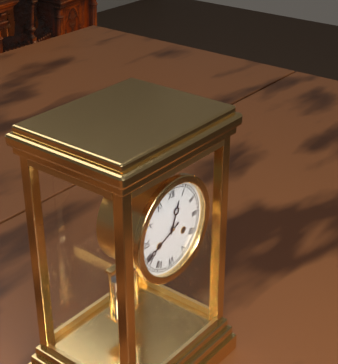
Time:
12.41
